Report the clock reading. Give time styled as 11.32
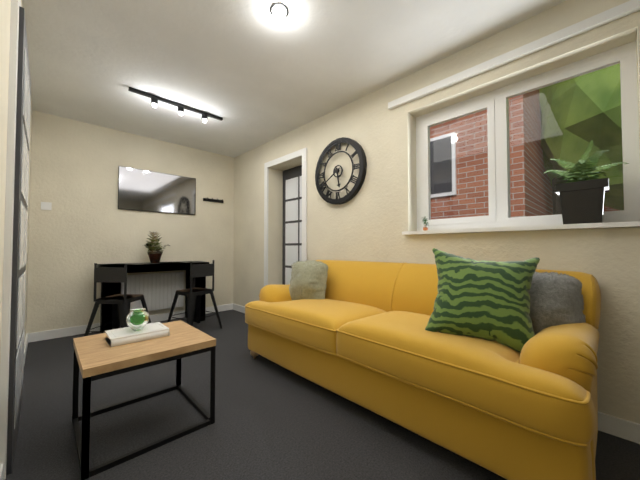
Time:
5.40
